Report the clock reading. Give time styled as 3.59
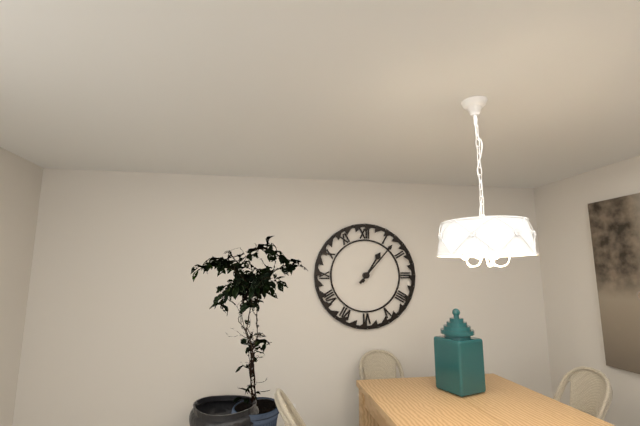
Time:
1.07
